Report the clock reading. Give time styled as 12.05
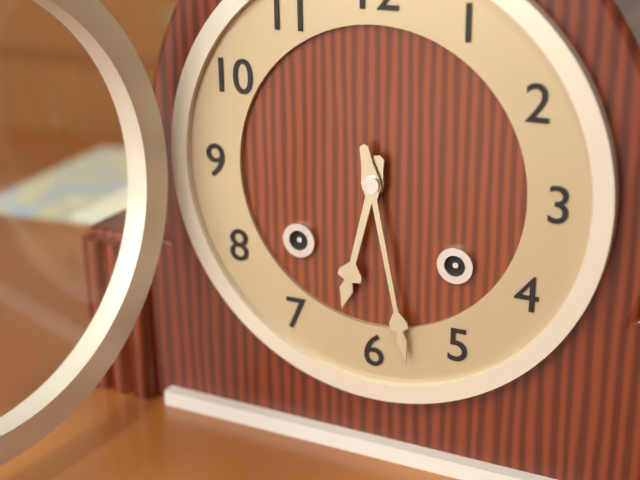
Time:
6.28
